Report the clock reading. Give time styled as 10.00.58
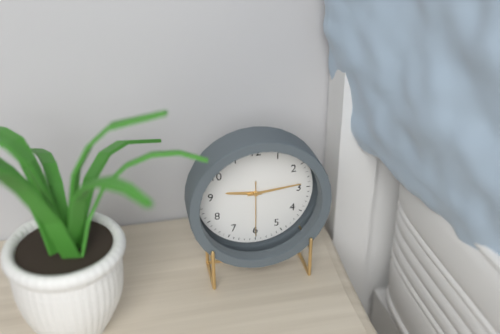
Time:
9.14.30
